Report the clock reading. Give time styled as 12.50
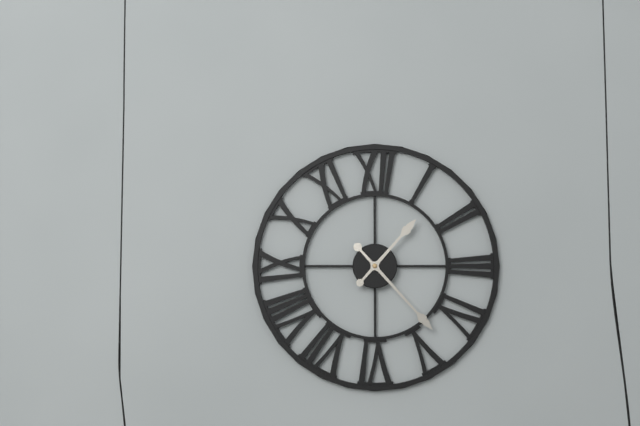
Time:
1.23
